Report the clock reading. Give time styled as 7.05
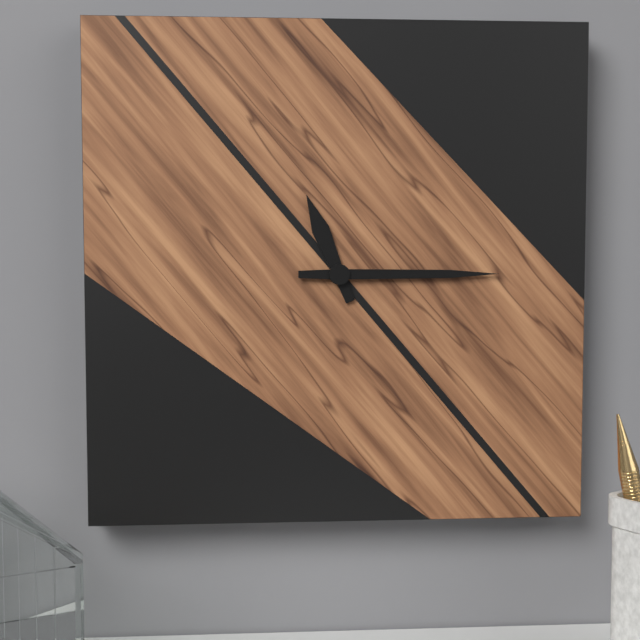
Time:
11.15
